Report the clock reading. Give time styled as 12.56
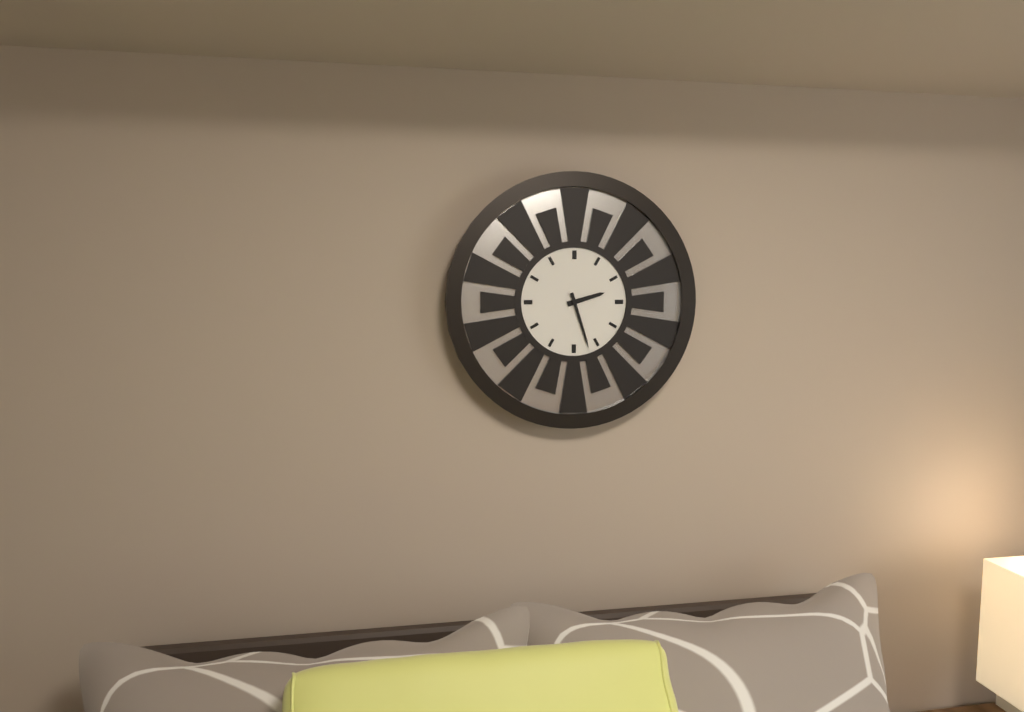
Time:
2.27
